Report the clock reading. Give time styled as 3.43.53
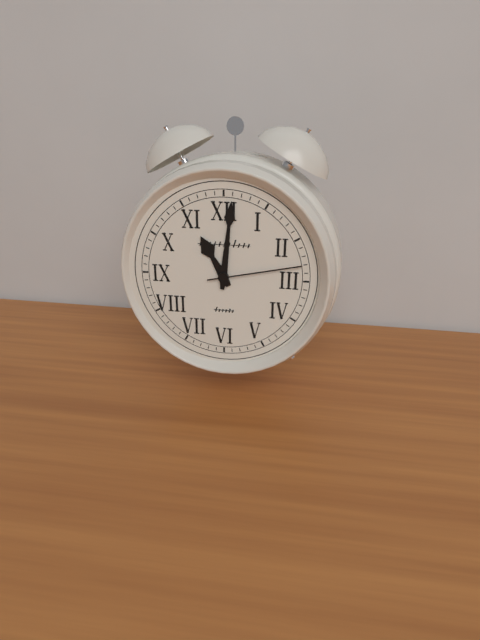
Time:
11.01.13
